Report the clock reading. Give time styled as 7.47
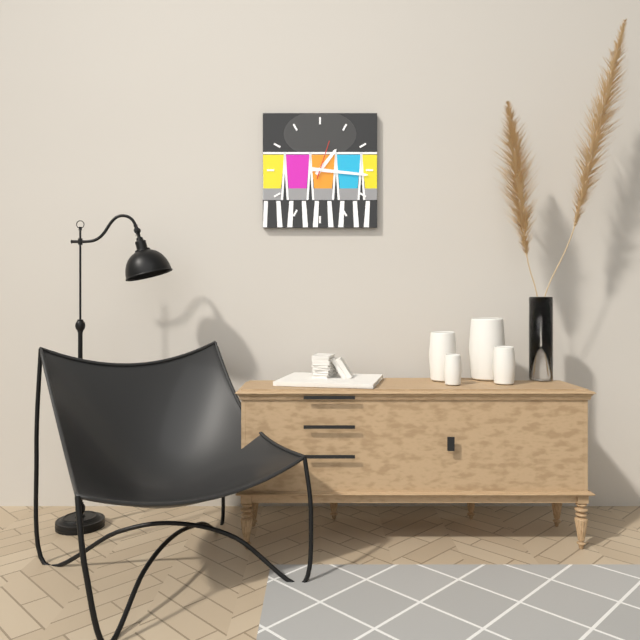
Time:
1.16
